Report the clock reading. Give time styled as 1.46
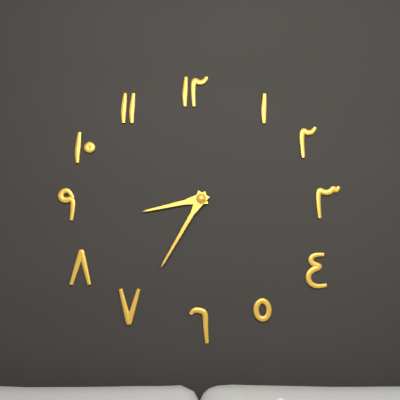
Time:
8.35
